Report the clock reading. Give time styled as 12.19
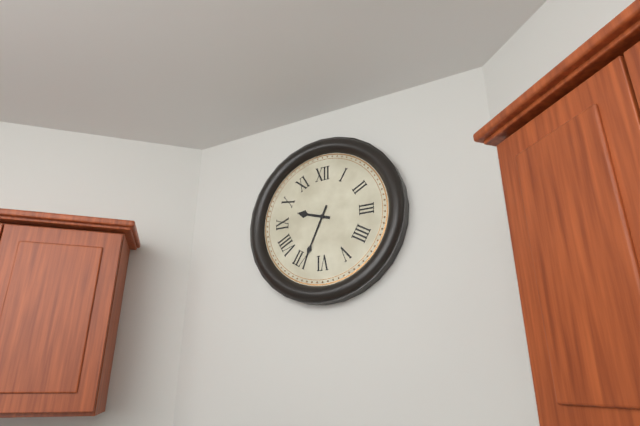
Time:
9.34
